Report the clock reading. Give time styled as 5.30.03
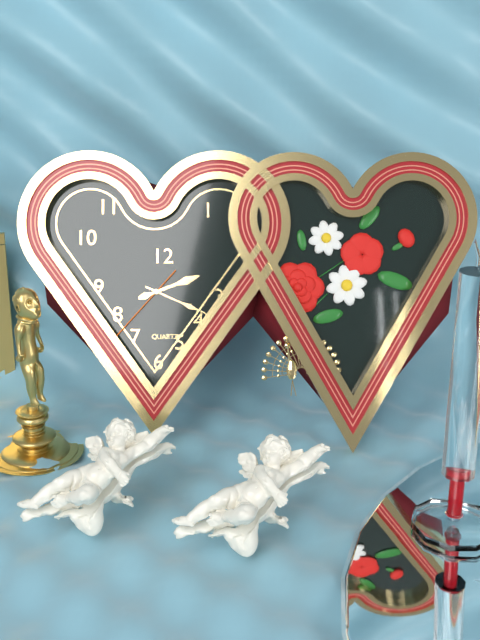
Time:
2.19.37
